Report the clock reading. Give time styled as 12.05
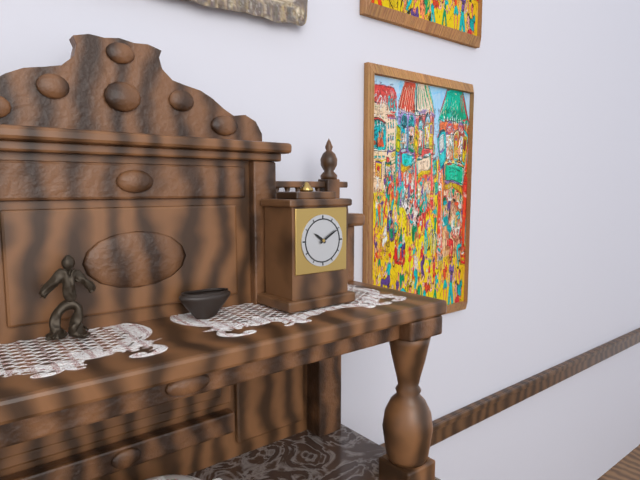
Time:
10.10
